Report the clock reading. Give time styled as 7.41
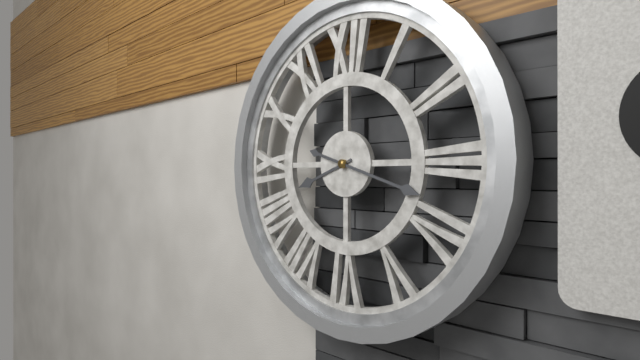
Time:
8.18
